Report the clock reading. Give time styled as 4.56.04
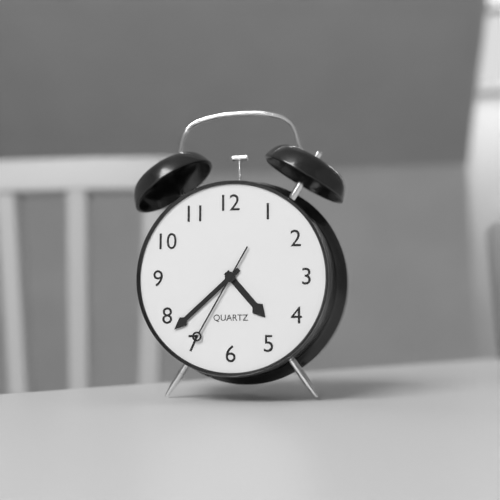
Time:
4.38.35
